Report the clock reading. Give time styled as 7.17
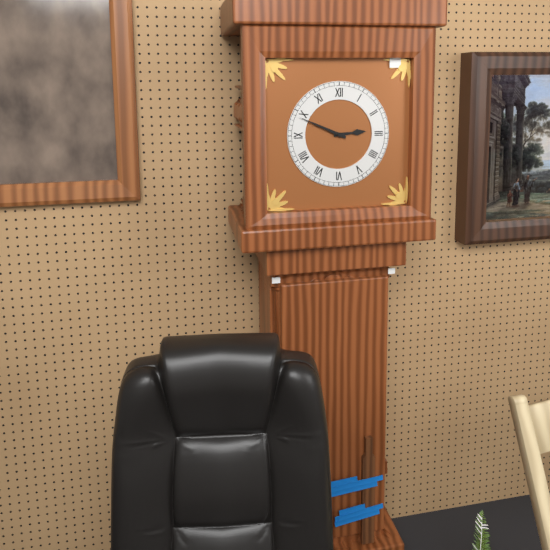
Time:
2.49
